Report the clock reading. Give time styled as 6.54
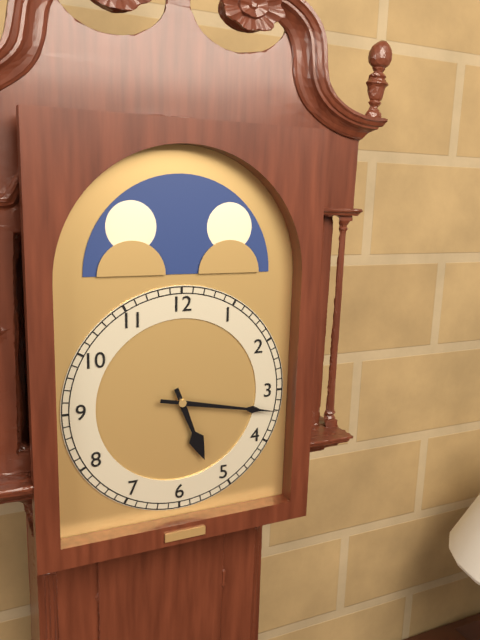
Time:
5.17
